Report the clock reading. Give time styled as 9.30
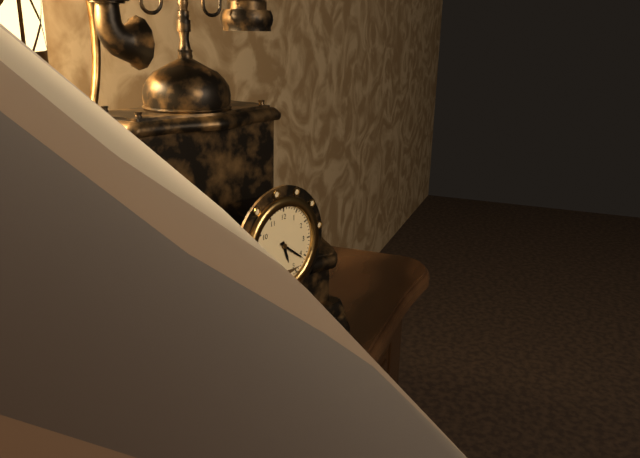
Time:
5.21
